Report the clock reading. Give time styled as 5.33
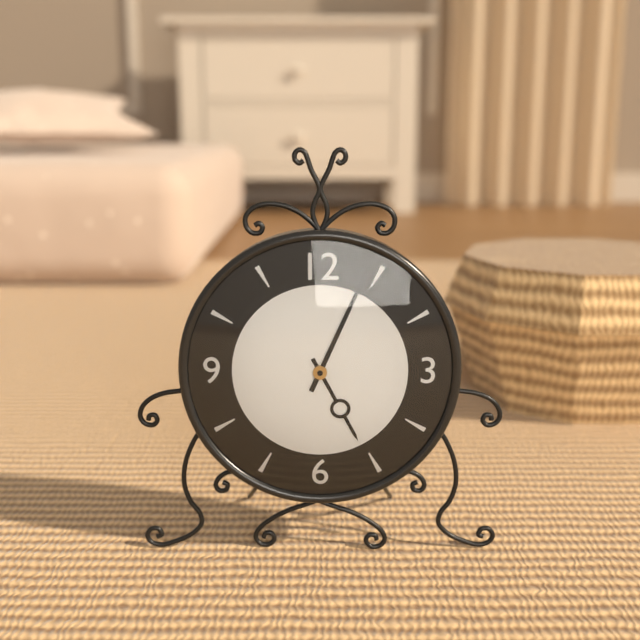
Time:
5.04
